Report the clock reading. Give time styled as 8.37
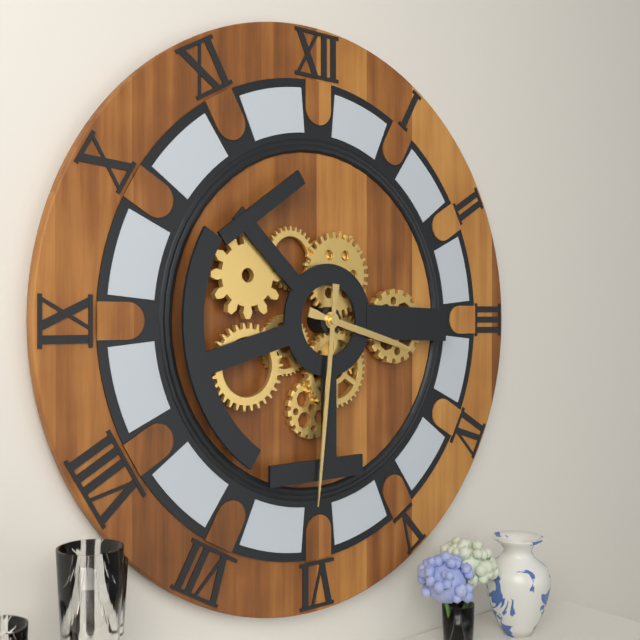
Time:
3.31
